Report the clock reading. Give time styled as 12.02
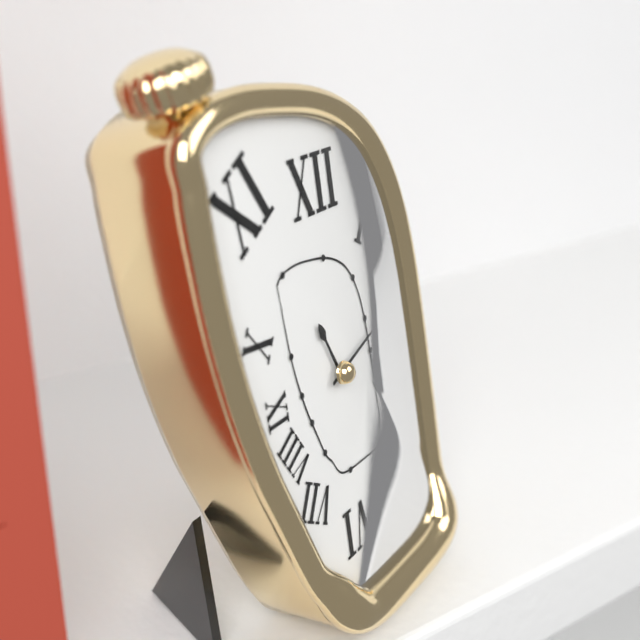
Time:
11.12
